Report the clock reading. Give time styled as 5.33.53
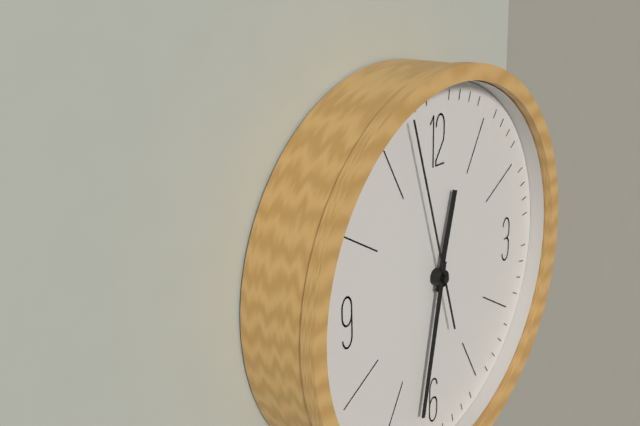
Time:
12.32.57
